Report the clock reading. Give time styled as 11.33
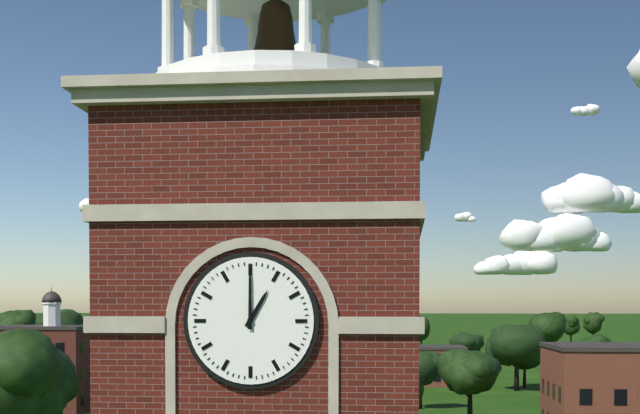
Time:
1.00
